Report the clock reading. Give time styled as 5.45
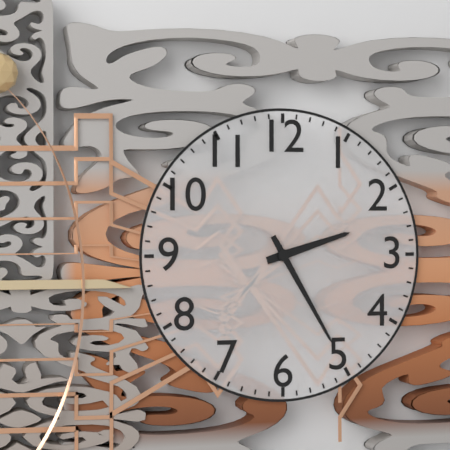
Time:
2.25
